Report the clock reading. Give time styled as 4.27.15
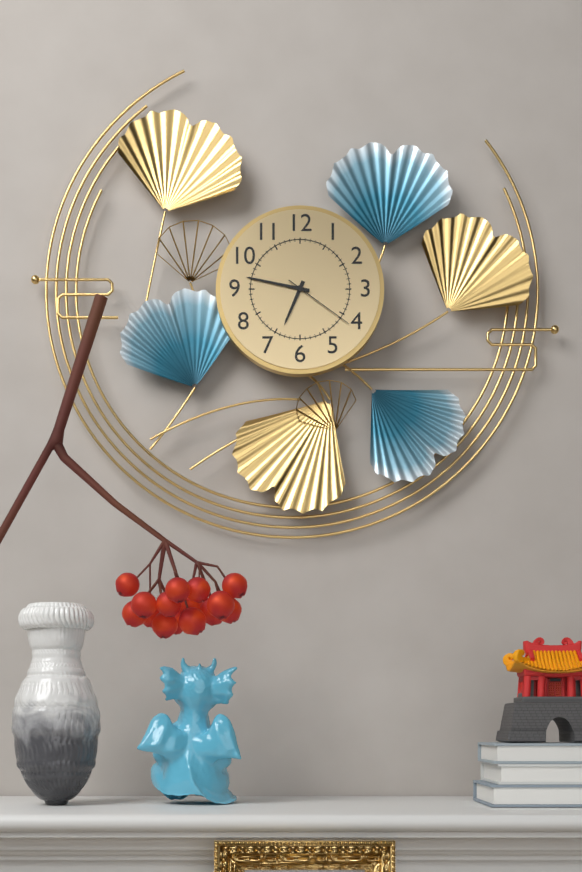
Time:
6.47.21
